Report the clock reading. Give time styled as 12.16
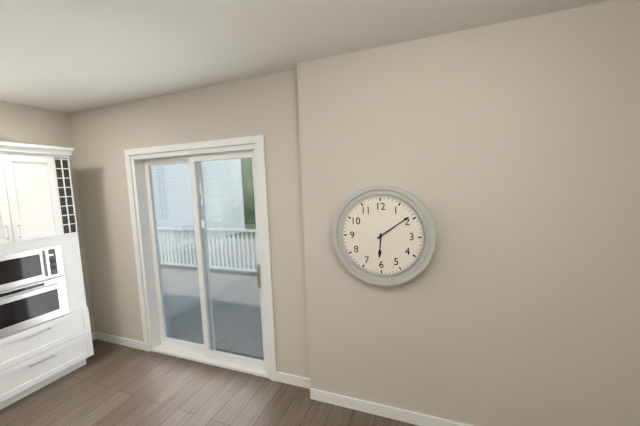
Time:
6.09
